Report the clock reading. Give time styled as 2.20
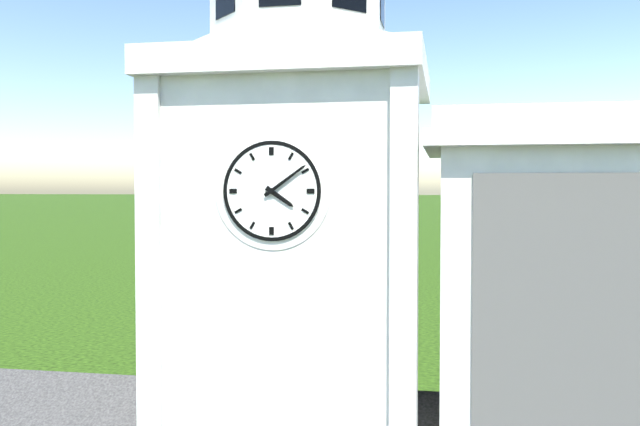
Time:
4.09
